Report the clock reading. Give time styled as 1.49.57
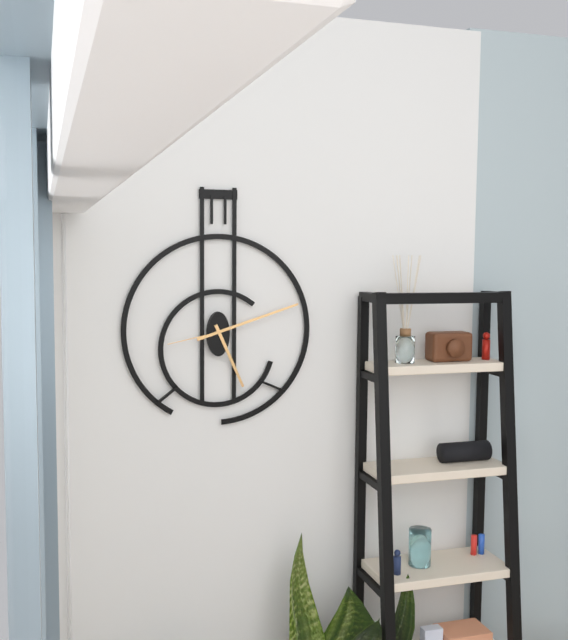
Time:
5.12.43
